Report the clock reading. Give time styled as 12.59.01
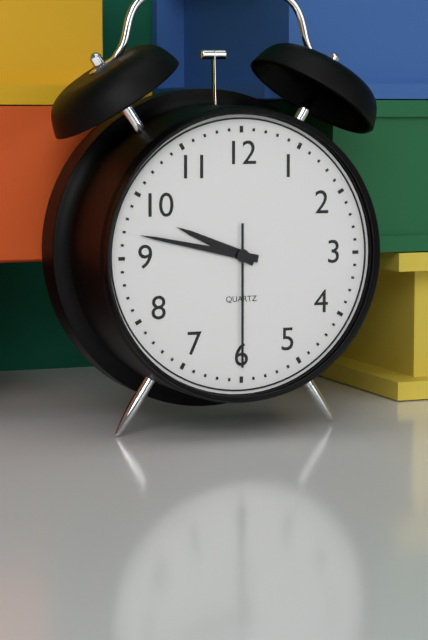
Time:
9.47.30
